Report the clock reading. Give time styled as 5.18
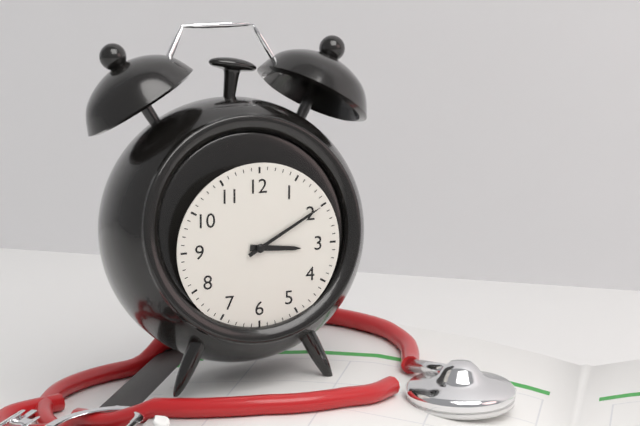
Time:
3.10
